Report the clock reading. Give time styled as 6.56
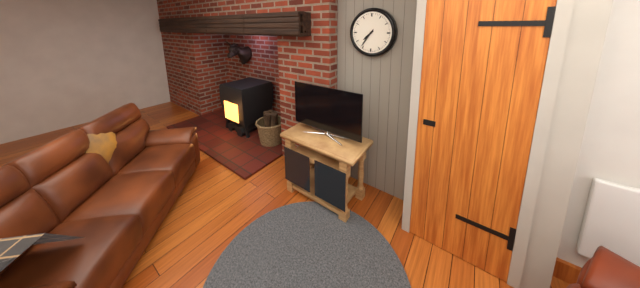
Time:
7.36
